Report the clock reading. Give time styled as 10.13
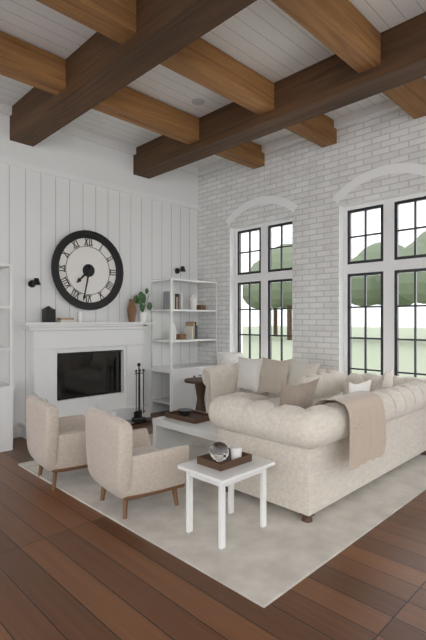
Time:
7.32
